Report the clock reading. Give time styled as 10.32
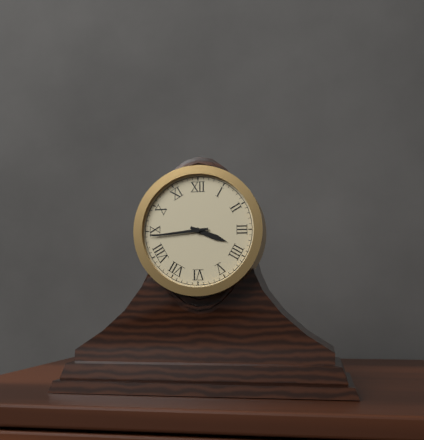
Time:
3.44
